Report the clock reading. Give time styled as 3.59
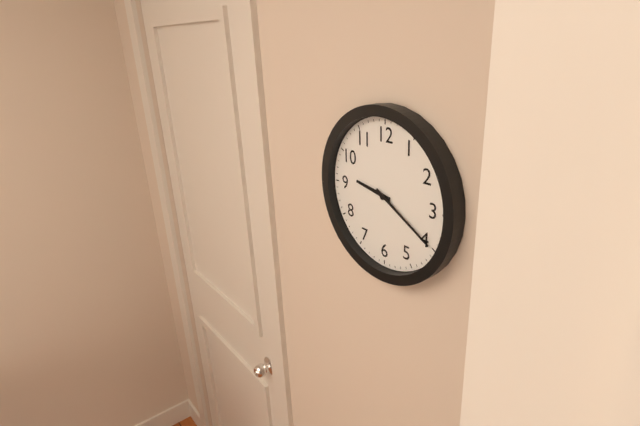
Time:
9.20
